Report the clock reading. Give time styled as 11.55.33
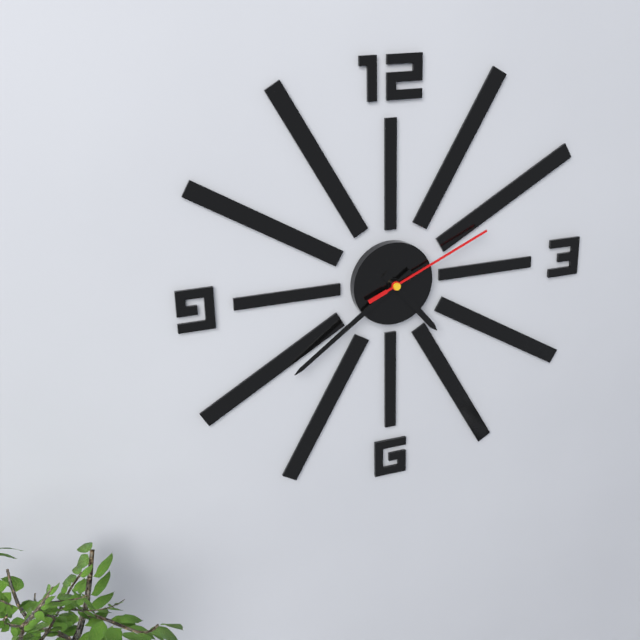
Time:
4.39.11
